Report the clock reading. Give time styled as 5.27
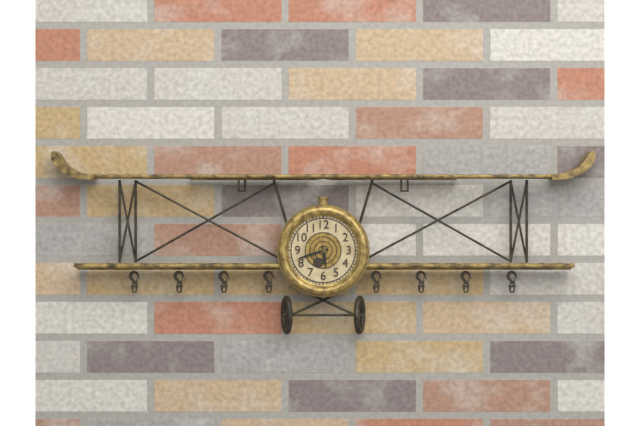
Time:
5.42
